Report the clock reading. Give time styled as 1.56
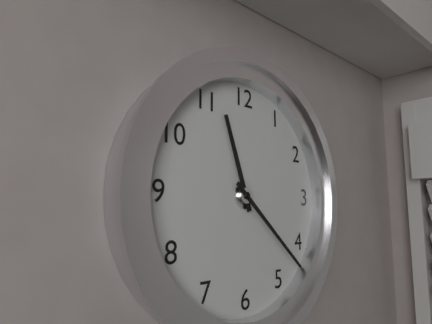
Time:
11.22
